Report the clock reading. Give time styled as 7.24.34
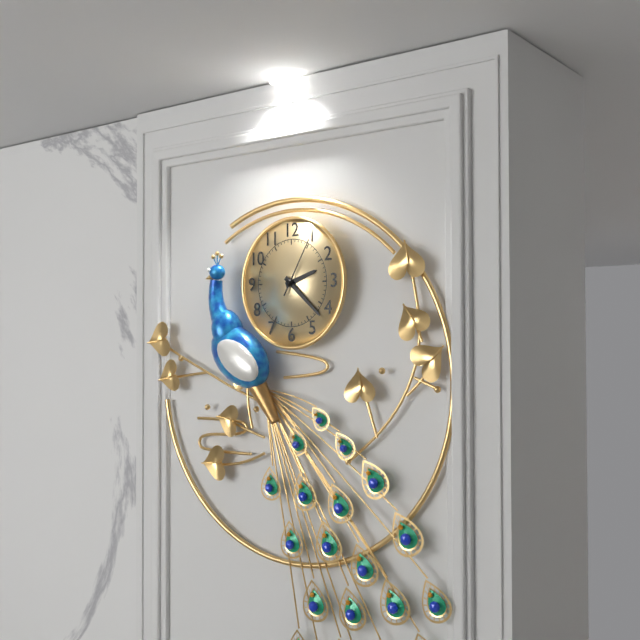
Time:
2.22.05
